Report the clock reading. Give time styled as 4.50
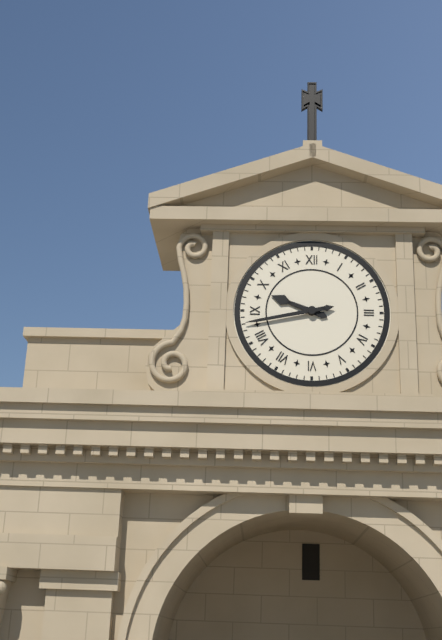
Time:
9.43
